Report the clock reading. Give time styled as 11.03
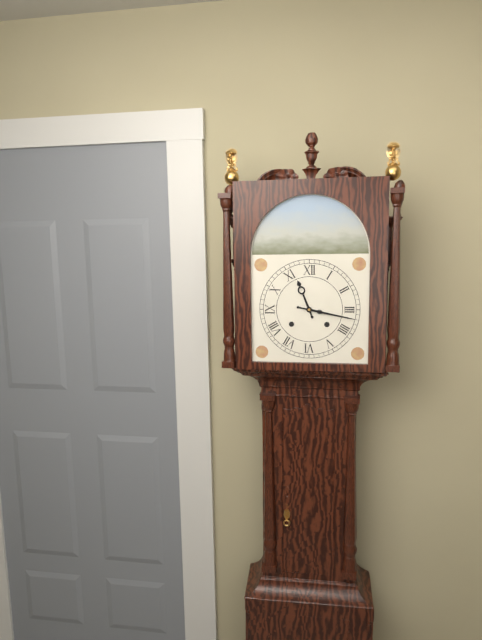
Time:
11.17
